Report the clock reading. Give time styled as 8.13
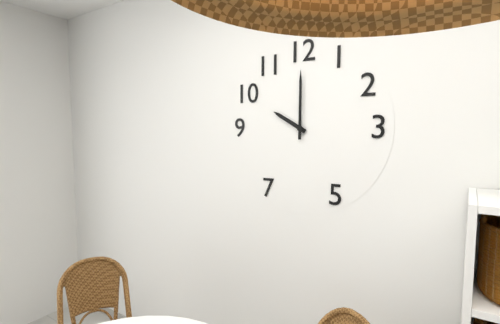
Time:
10.00
